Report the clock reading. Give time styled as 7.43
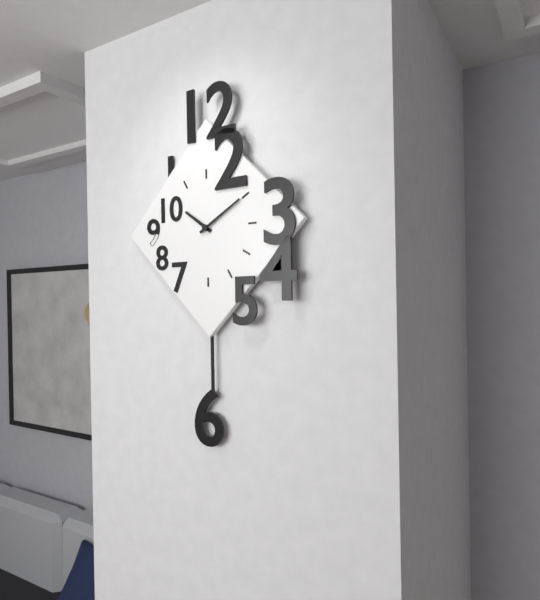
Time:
10.10
